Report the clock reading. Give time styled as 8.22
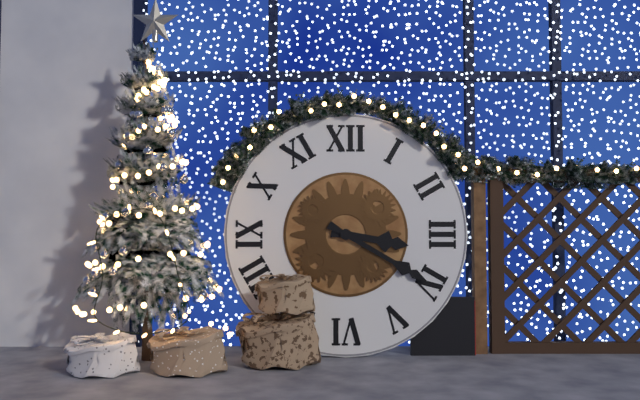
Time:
3.20
